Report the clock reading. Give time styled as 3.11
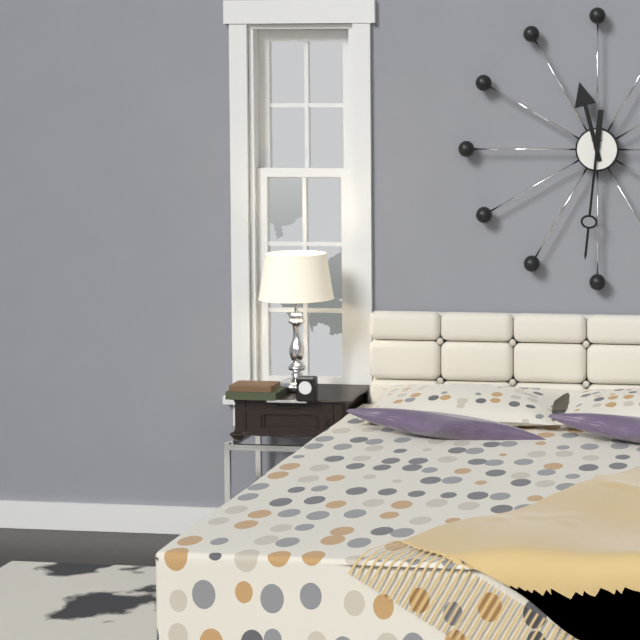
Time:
11.31
